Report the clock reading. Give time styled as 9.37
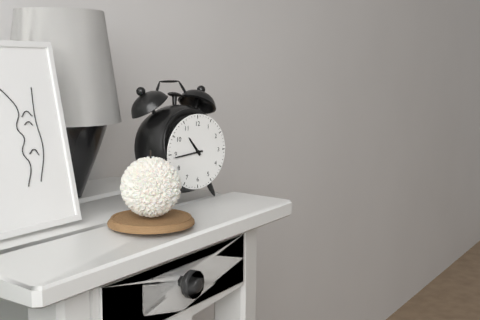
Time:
10.44
